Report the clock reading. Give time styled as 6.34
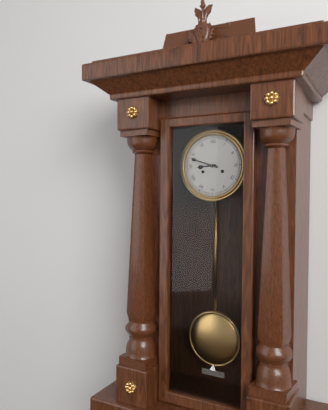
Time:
8.48
